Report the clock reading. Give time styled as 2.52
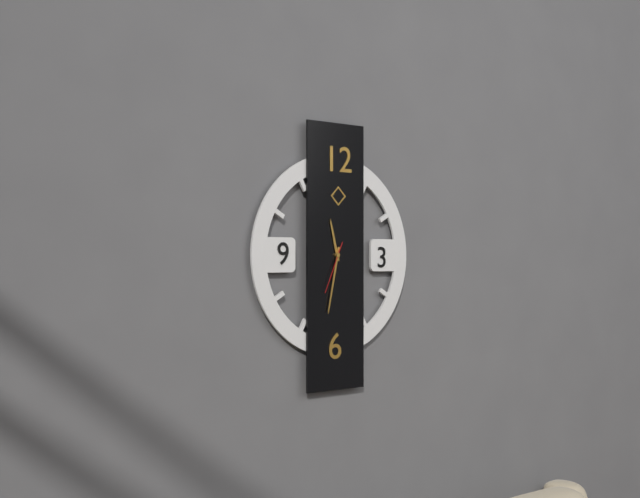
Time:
11.32
